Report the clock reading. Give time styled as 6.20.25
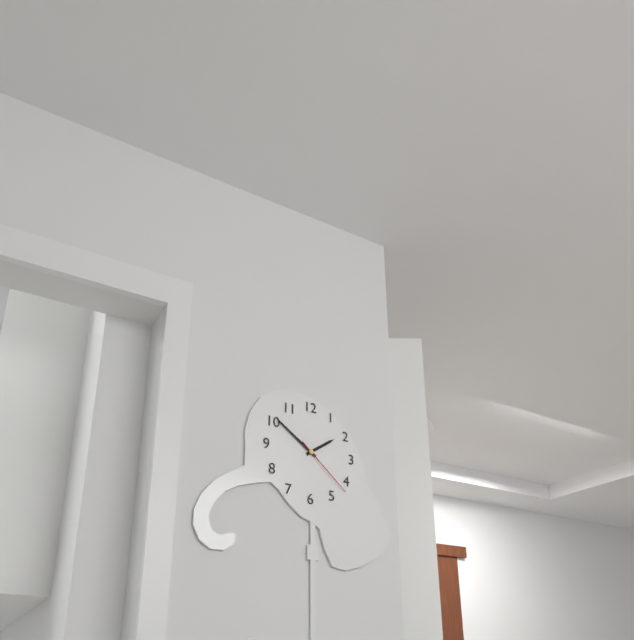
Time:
1.51.22
